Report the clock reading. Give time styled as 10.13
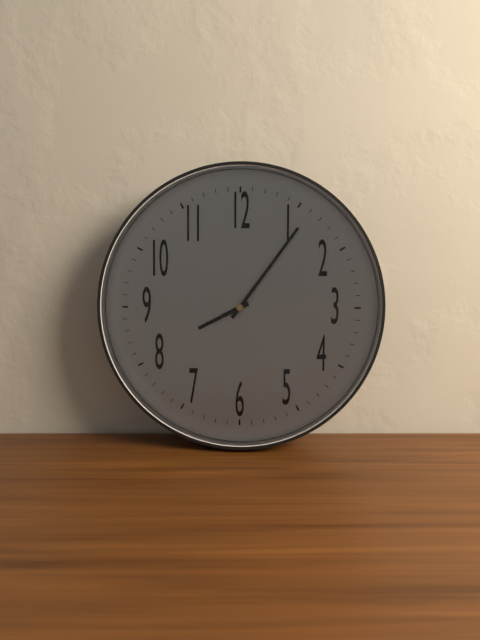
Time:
8.06
